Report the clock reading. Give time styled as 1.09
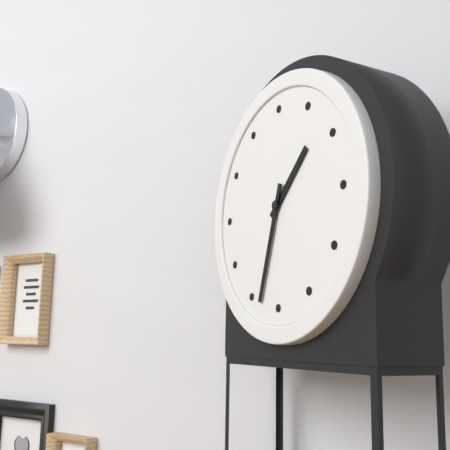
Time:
1.33
